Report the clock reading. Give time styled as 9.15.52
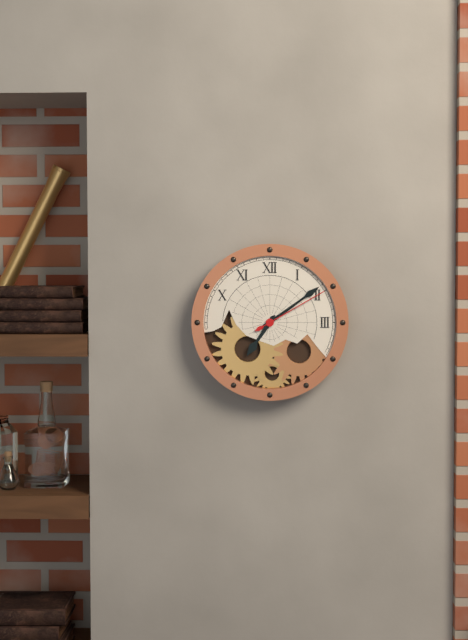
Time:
7.09.10
